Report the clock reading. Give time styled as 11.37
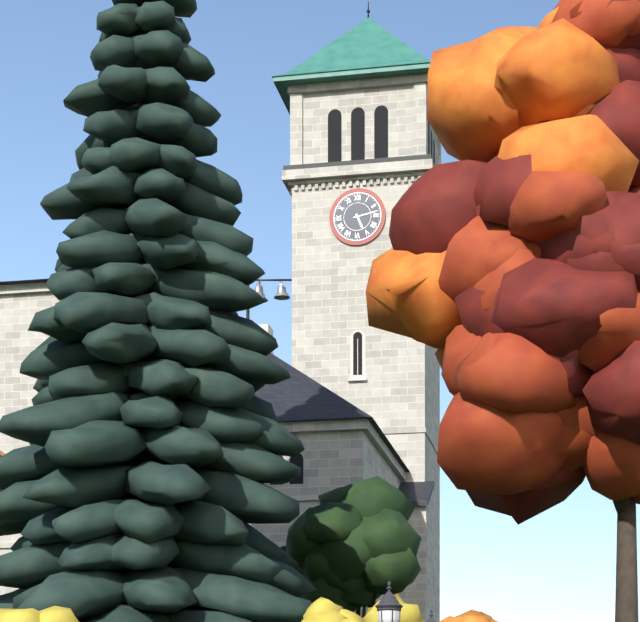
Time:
5.13
